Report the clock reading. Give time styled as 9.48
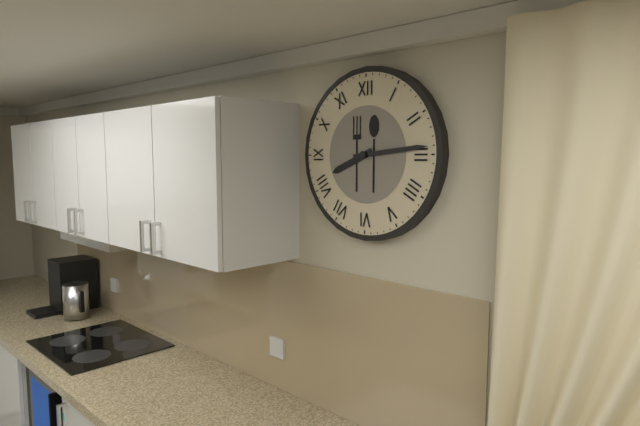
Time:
8.14
